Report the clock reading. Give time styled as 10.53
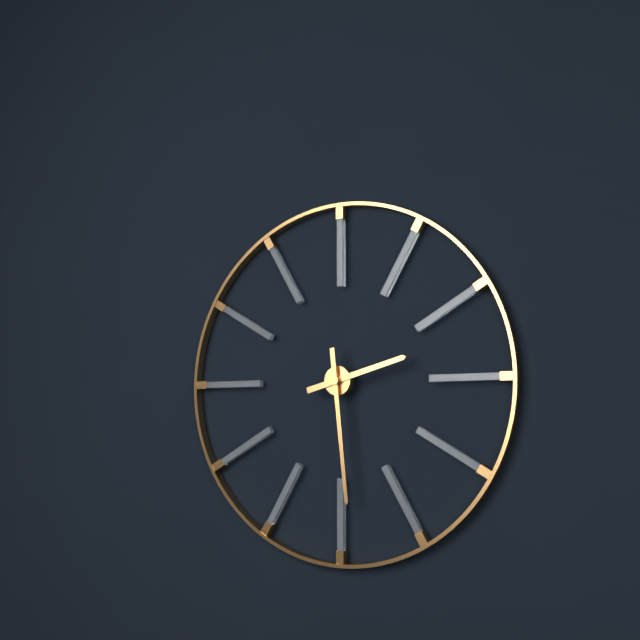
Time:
2.29
